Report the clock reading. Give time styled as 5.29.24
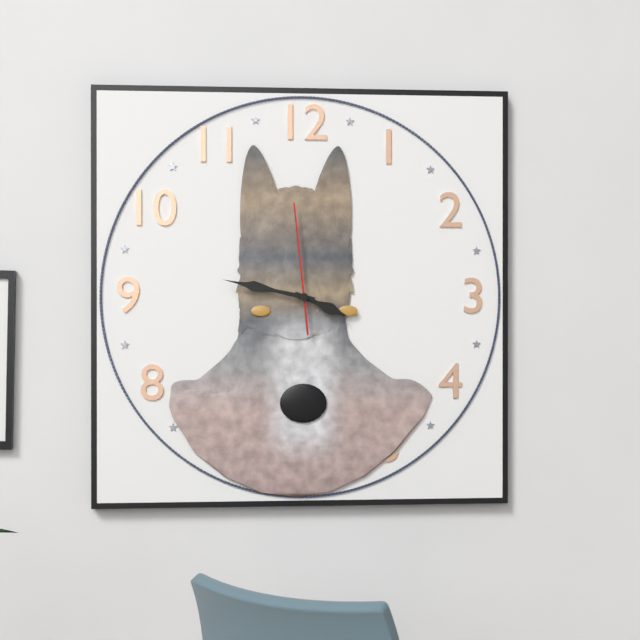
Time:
3.47.59
